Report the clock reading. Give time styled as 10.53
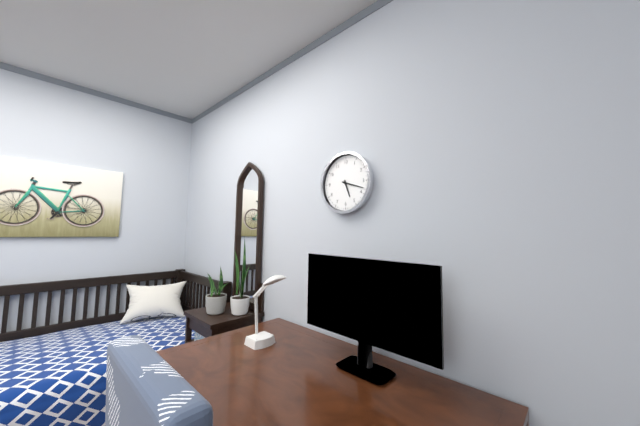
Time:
5.18
